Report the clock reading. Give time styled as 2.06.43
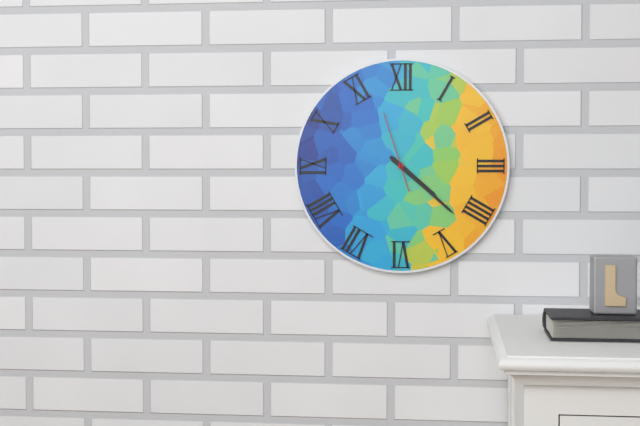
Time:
4.22.57
